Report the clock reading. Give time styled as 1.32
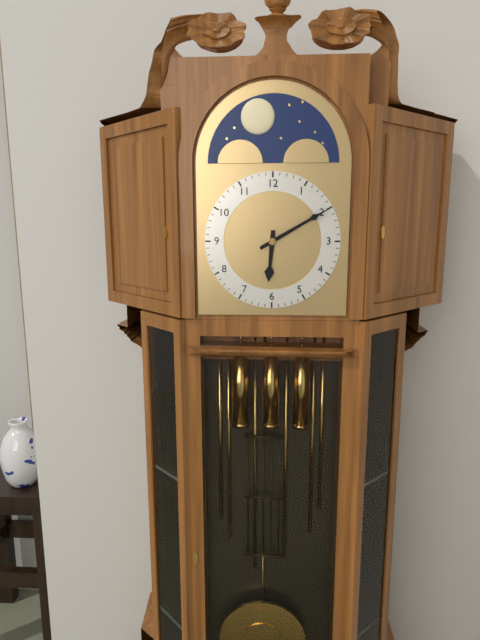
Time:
6.10
